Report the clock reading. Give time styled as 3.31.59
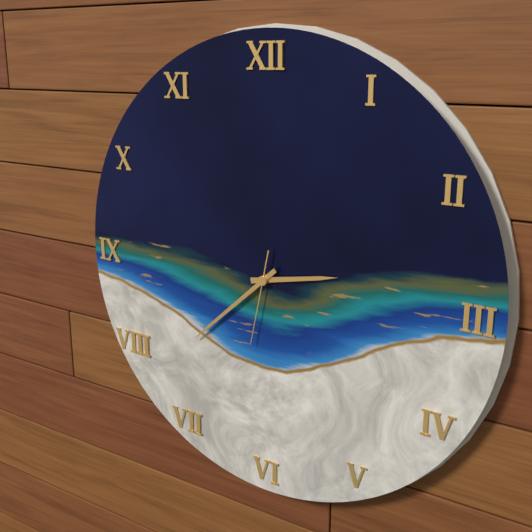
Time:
2.38.32
